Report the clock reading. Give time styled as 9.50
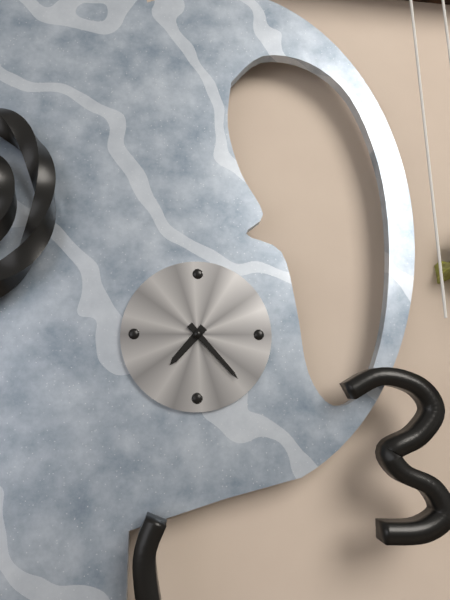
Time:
7.23
